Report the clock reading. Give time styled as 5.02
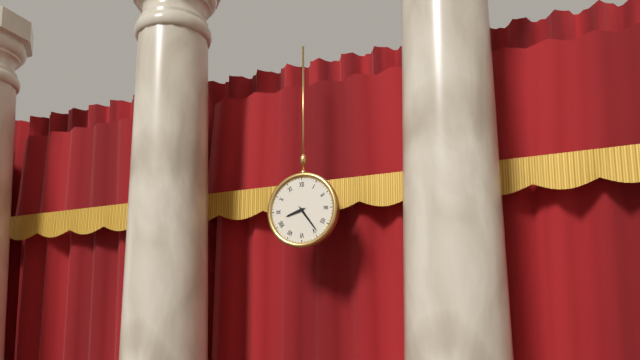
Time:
8.24
